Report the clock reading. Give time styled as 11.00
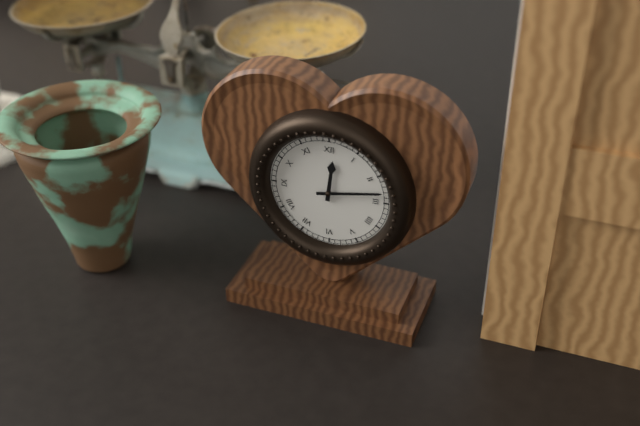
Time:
12.13
